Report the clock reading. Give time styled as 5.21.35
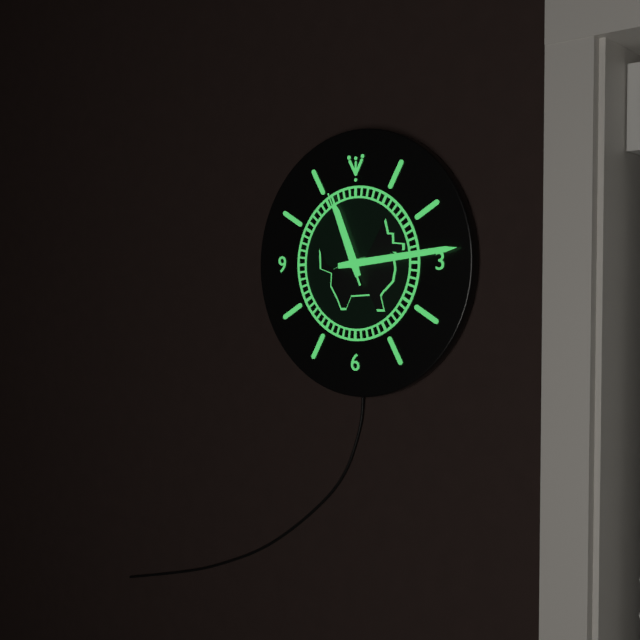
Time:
11.14.56
